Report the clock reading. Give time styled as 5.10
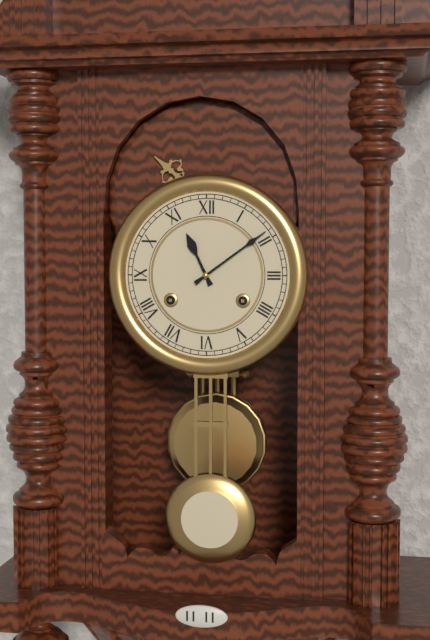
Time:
11.09
